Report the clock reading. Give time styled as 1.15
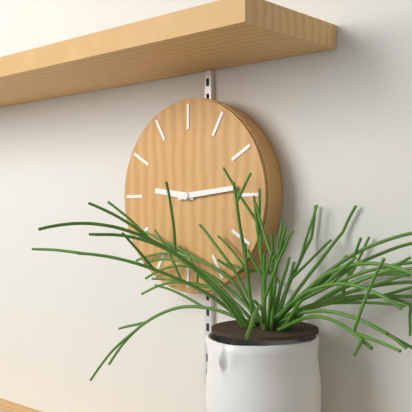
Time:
9.14
